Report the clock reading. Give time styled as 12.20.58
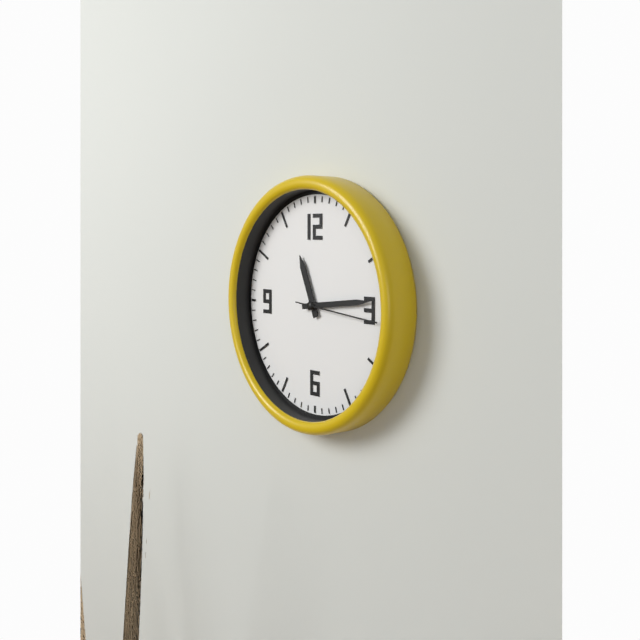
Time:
11.14.16
